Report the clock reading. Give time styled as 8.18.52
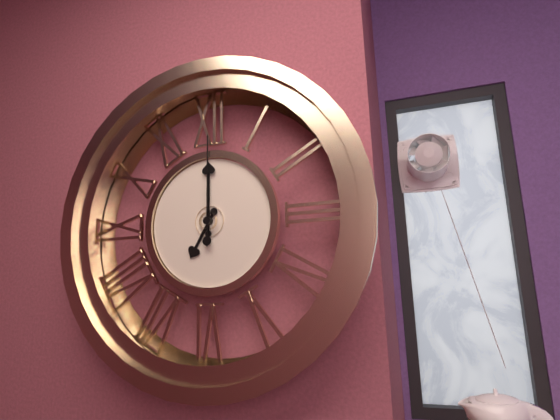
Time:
7.00.00
